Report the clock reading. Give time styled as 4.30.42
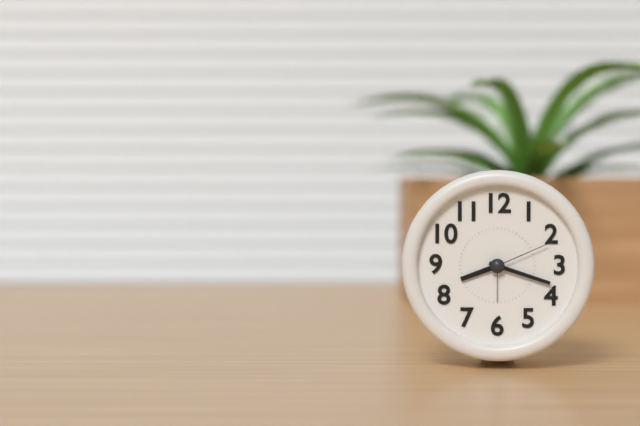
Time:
8.18.11
